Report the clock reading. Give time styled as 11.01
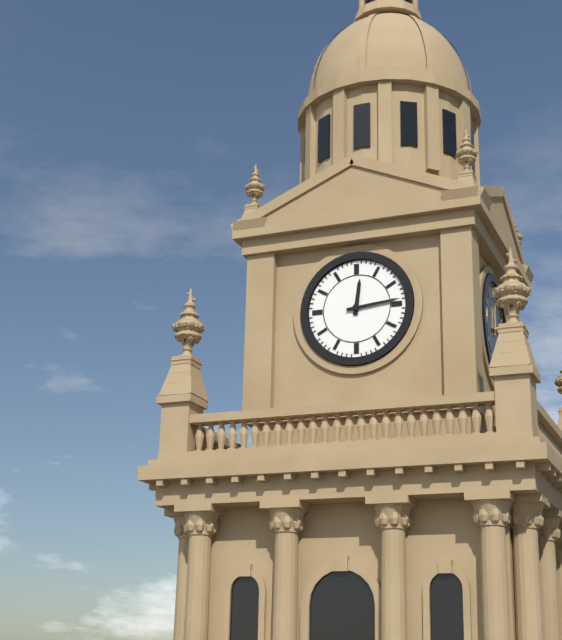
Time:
12.14
